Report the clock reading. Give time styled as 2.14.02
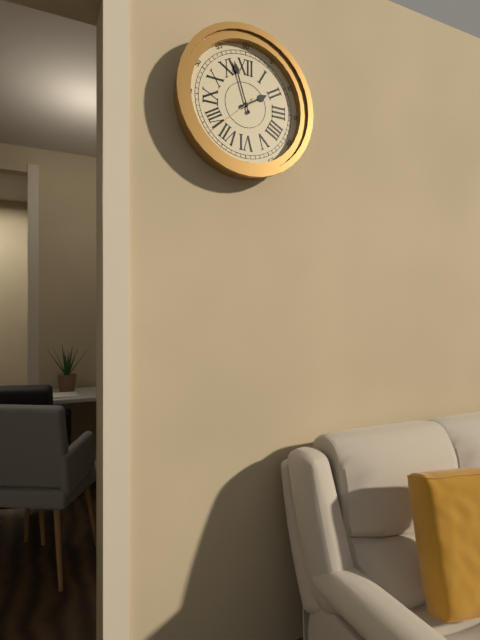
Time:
1.57.38
